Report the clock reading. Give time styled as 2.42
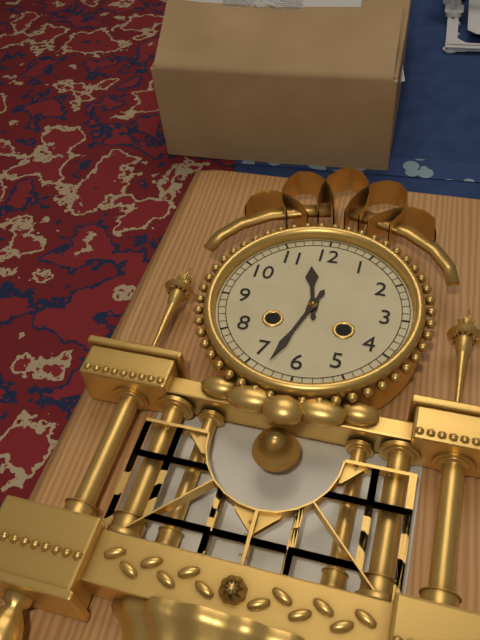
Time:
11.33
